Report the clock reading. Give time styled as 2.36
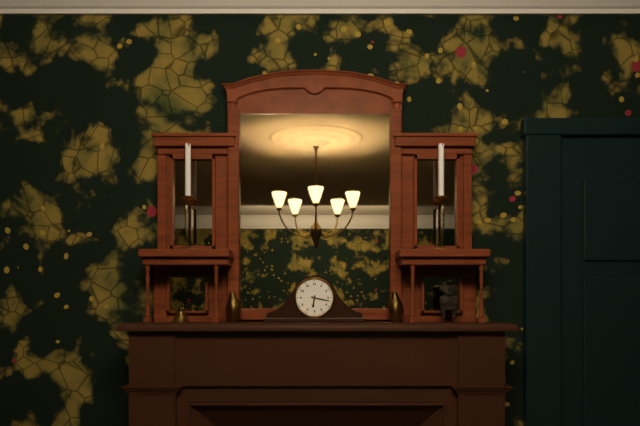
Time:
6.17
